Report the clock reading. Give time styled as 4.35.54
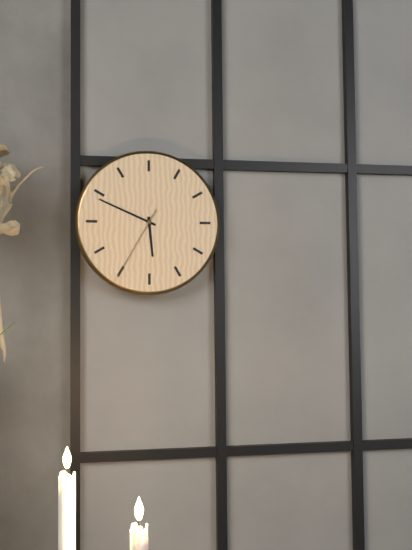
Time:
5.49.35
